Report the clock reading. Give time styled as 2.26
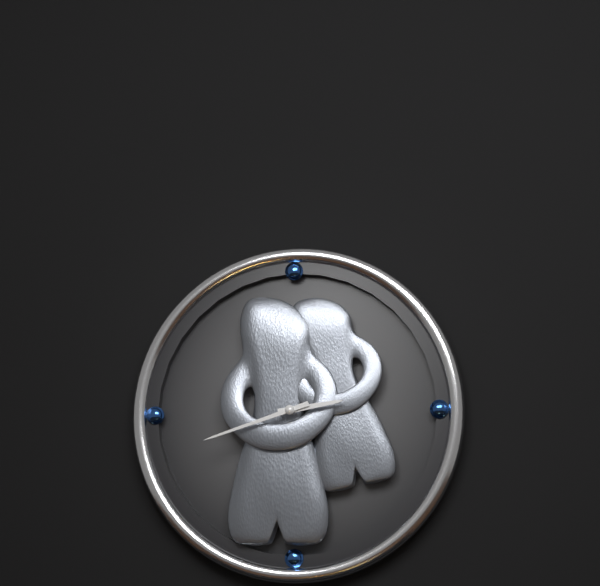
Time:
2.42
